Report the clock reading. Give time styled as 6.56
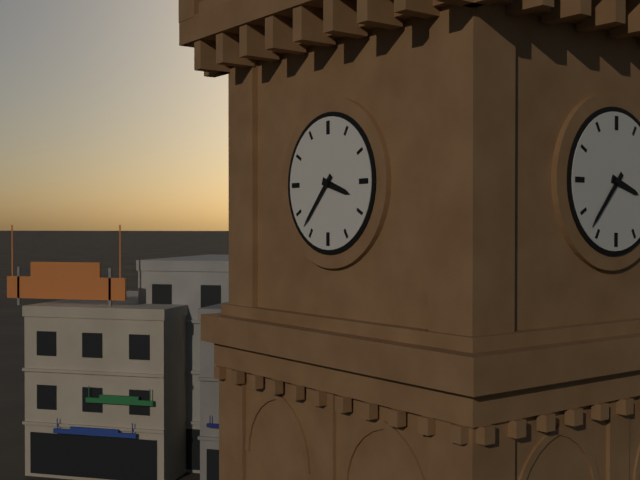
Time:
3.37
